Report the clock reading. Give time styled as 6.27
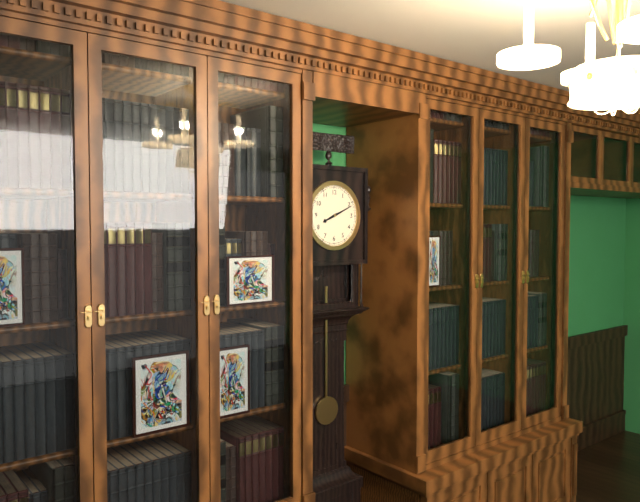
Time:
8.11
